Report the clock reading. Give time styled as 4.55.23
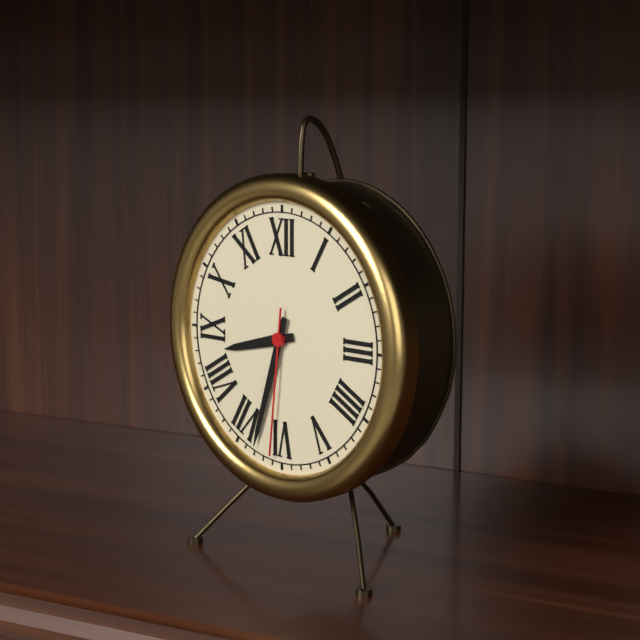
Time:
8.33.31
